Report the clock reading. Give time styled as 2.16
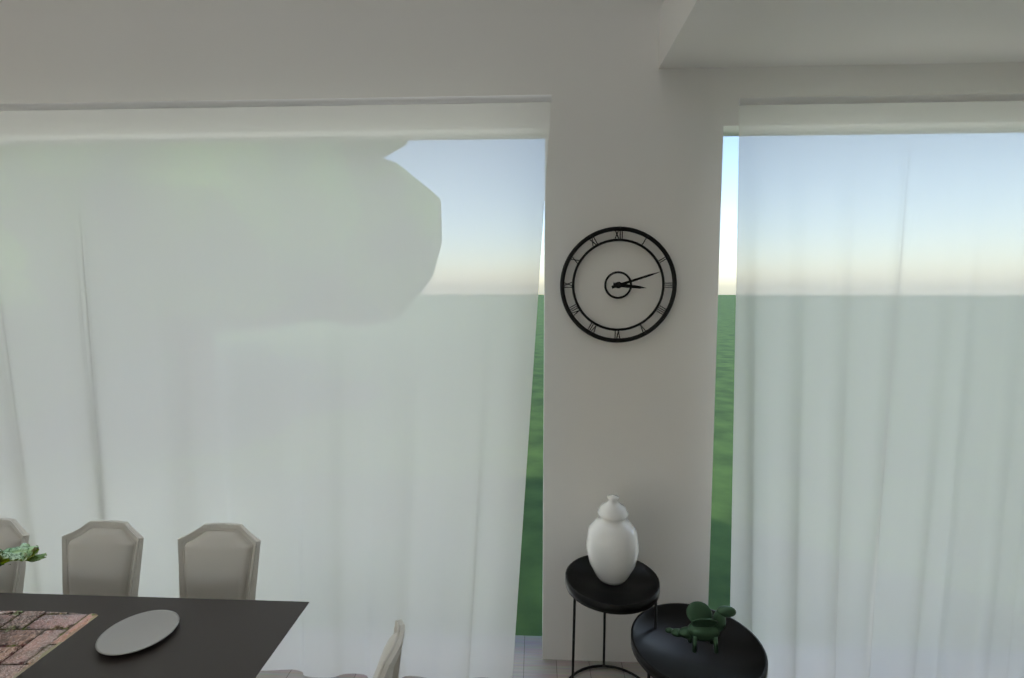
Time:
3.12
